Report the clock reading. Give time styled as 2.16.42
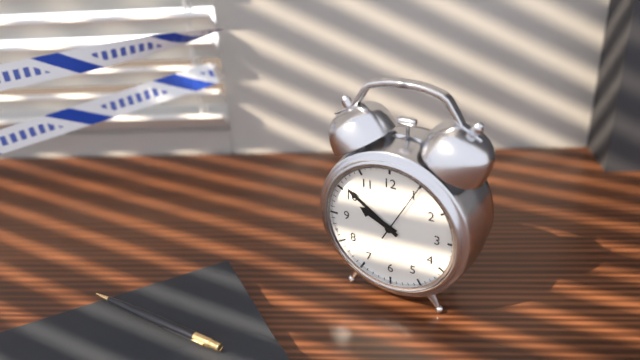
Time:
9.51.05
